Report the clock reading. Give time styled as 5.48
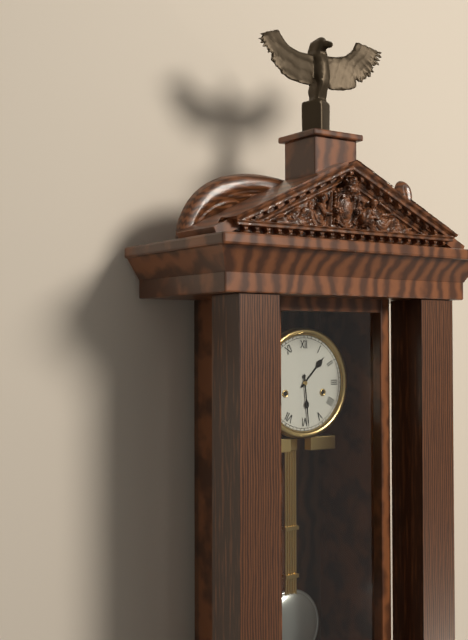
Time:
1.29
